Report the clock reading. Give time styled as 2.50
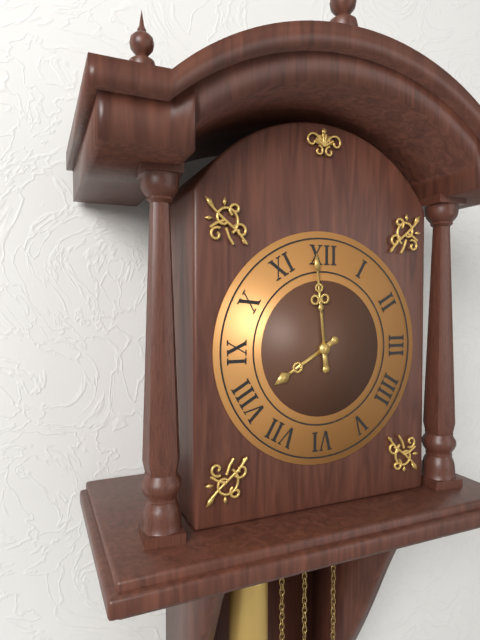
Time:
7.59
